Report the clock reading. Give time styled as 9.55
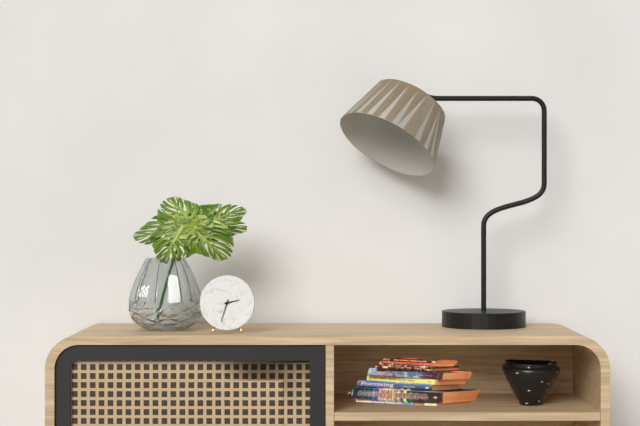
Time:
2.33
